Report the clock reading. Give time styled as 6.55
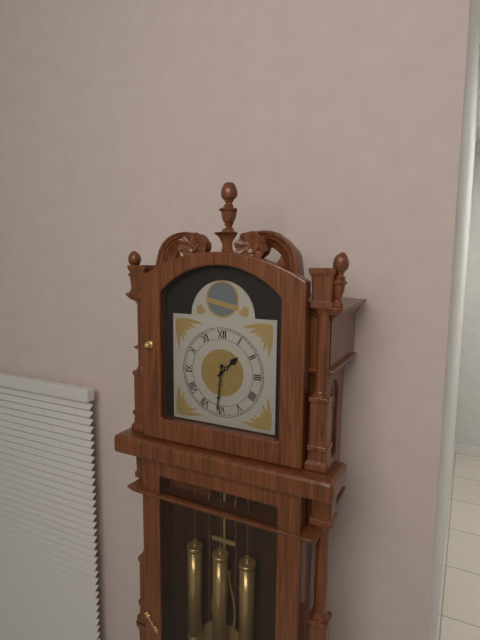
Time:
1.31
